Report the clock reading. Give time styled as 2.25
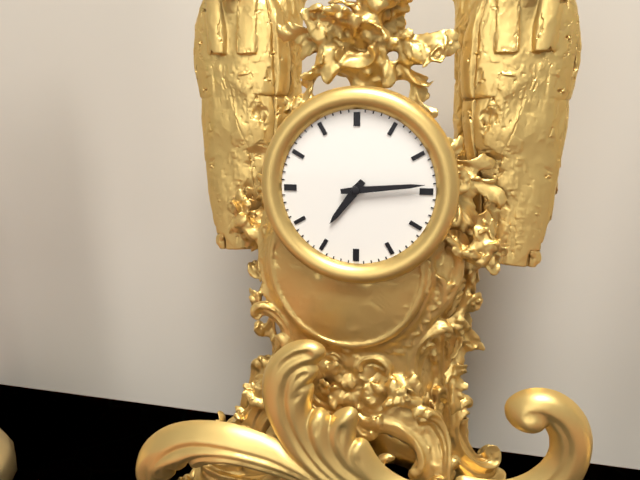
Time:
7.14
